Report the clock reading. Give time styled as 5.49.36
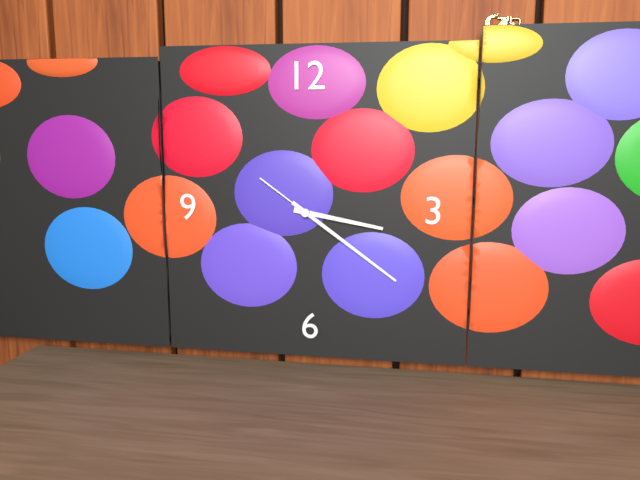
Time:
3.21.21
